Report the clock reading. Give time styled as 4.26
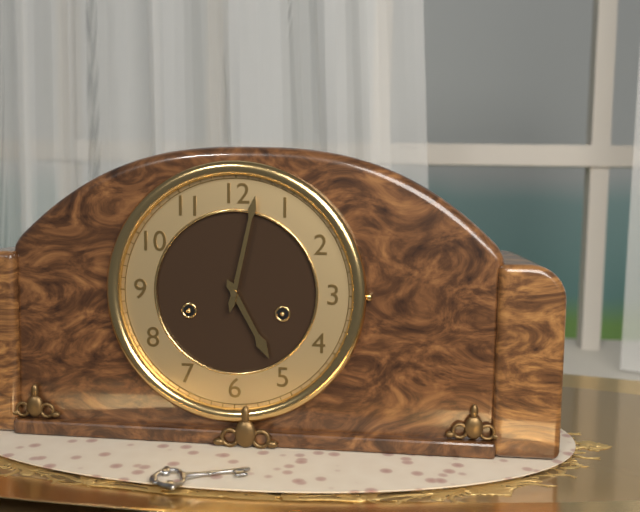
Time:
5.02
